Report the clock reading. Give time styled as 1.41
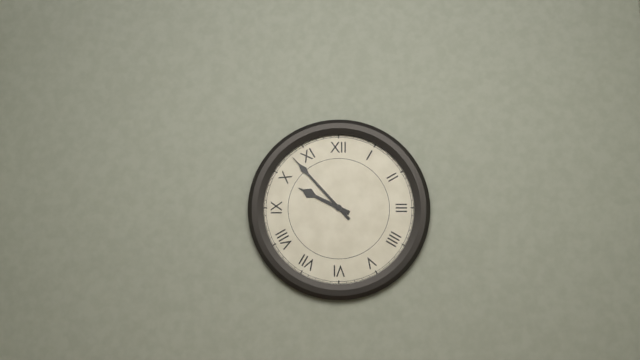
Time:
9.53
